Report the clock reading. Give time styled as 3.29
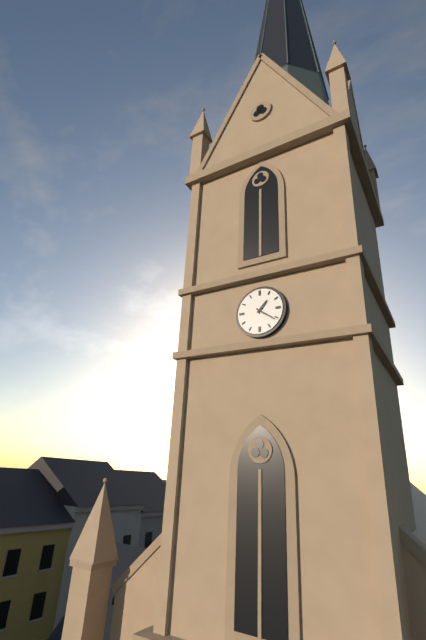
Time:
1.21
